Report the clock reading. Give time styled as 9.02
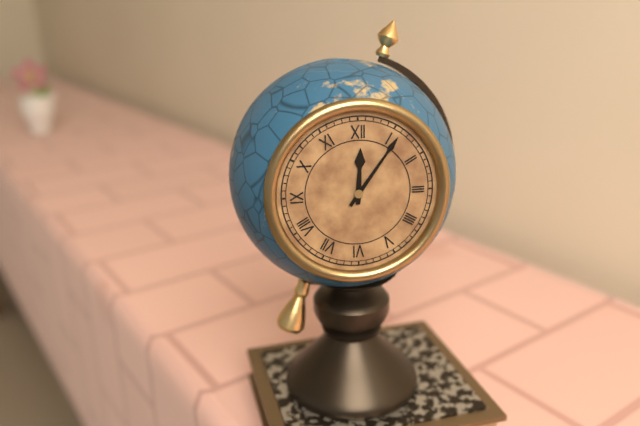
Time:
12.06
